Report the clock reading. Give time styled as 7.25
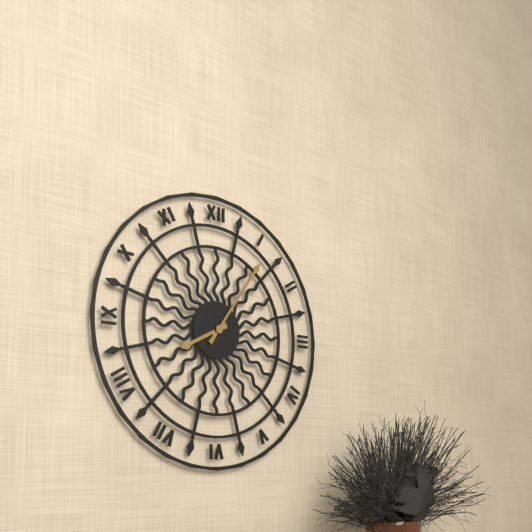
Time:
8.06
